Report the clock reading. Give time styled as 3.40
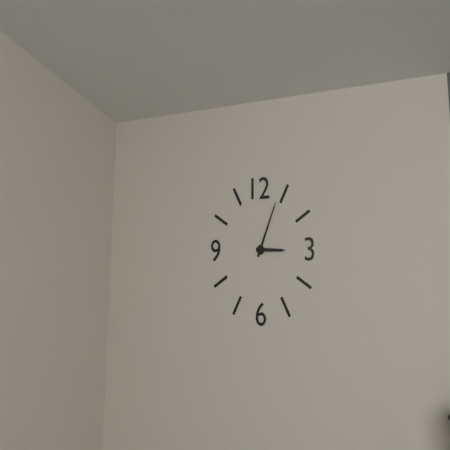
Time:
3.04
